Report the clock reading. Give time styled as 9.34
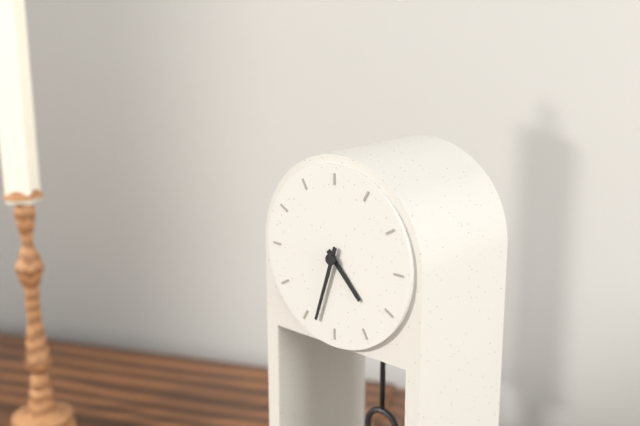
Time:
4.33
